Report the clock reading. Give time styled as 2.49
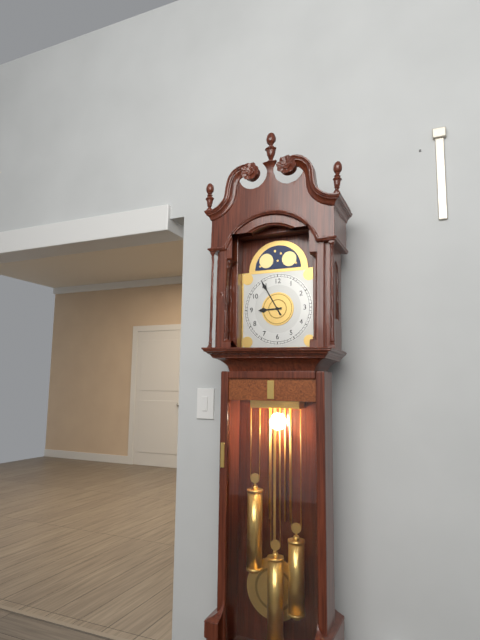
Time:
8.55
